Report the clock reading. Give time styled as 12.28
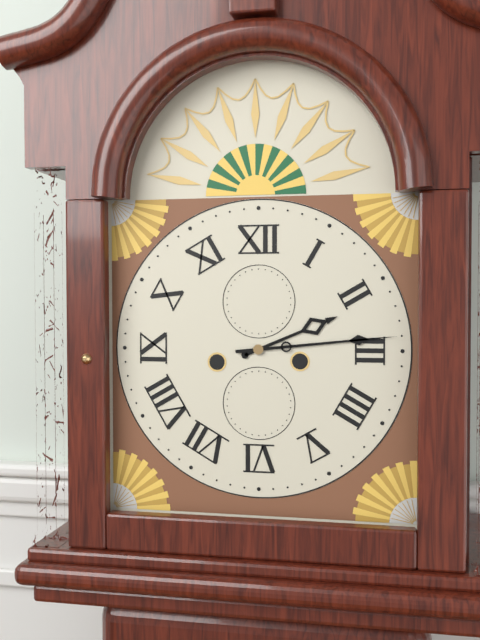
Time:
2.14
